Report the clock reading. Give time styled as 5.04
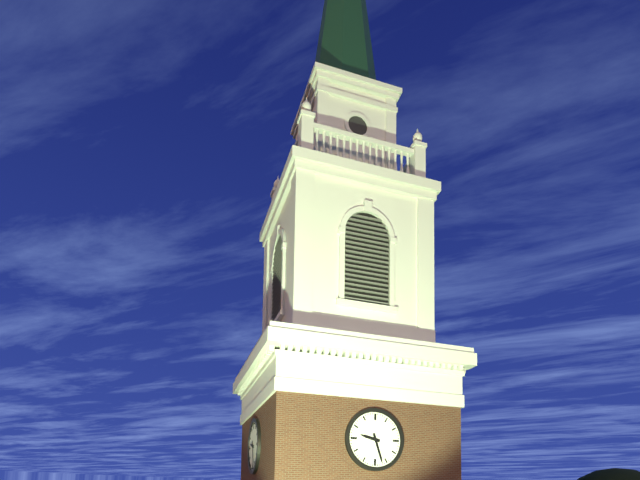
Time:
9.27
